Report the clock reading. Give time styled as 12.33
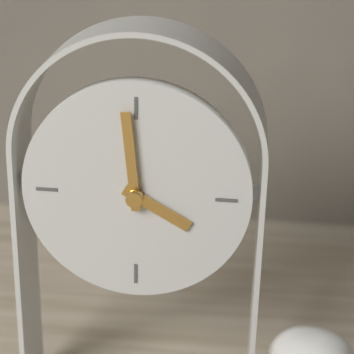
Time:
3.59
